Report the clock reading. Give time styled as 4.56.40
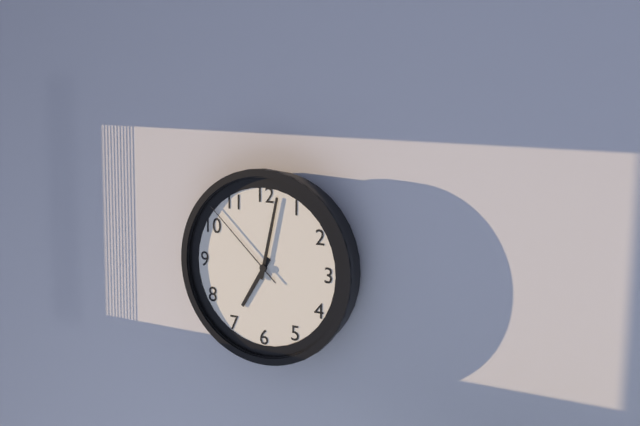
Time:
7.02.52
